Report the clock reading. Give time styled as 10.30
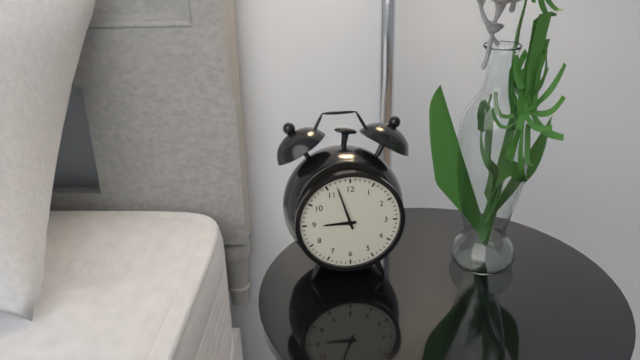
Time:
8.57
